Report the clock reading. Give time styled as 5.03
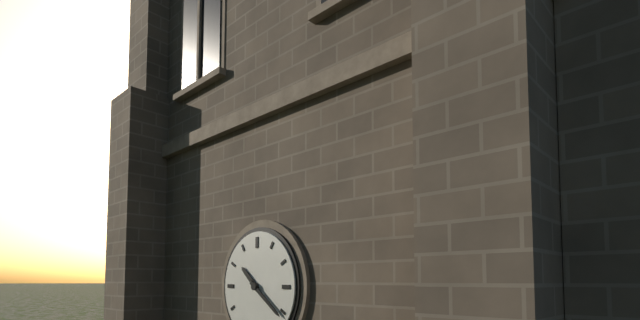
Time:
10.21
